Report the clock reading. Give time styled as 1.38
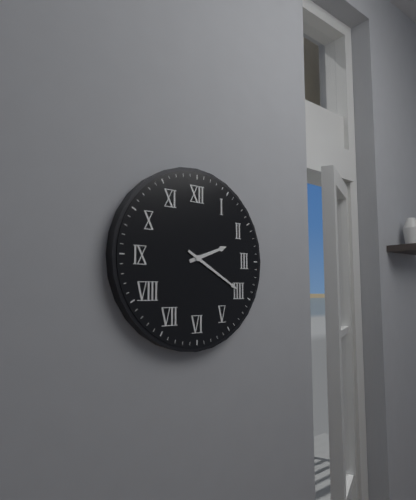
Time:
2.20
